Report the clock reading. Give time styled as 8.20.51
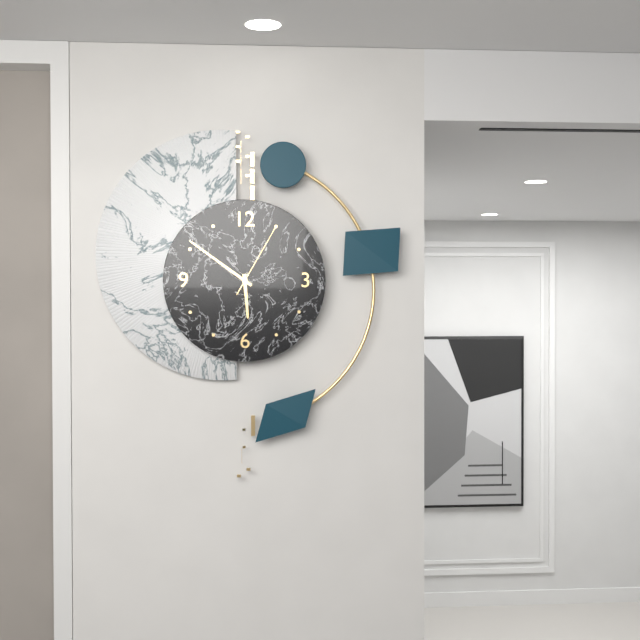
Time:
5.51.05
